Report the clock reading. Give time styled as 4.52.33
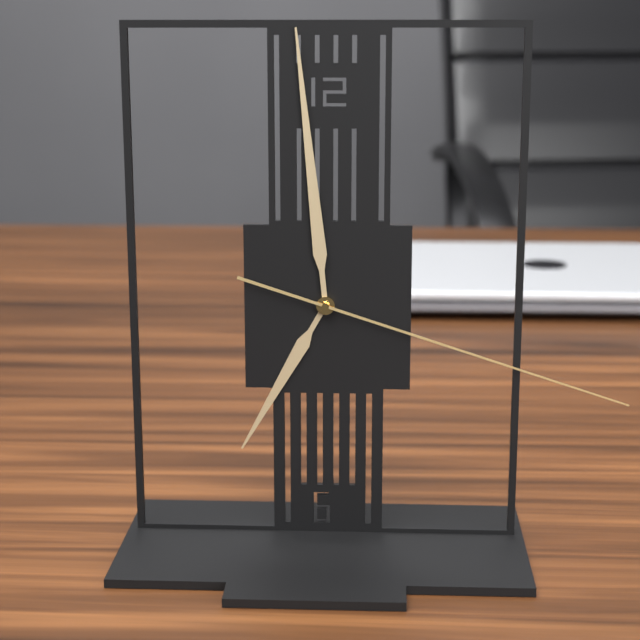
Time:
6.59.18
